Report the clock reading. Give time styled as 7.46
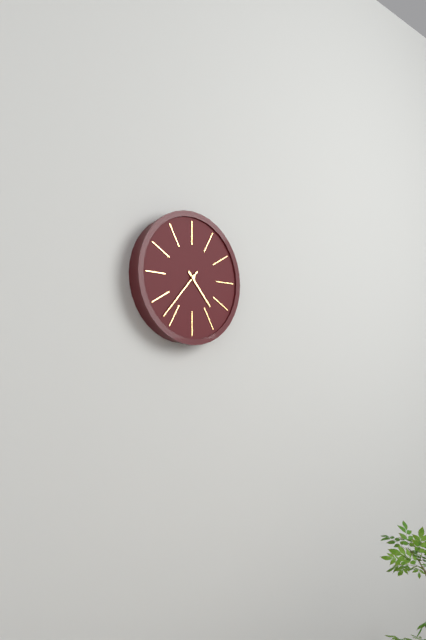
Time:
4.37
